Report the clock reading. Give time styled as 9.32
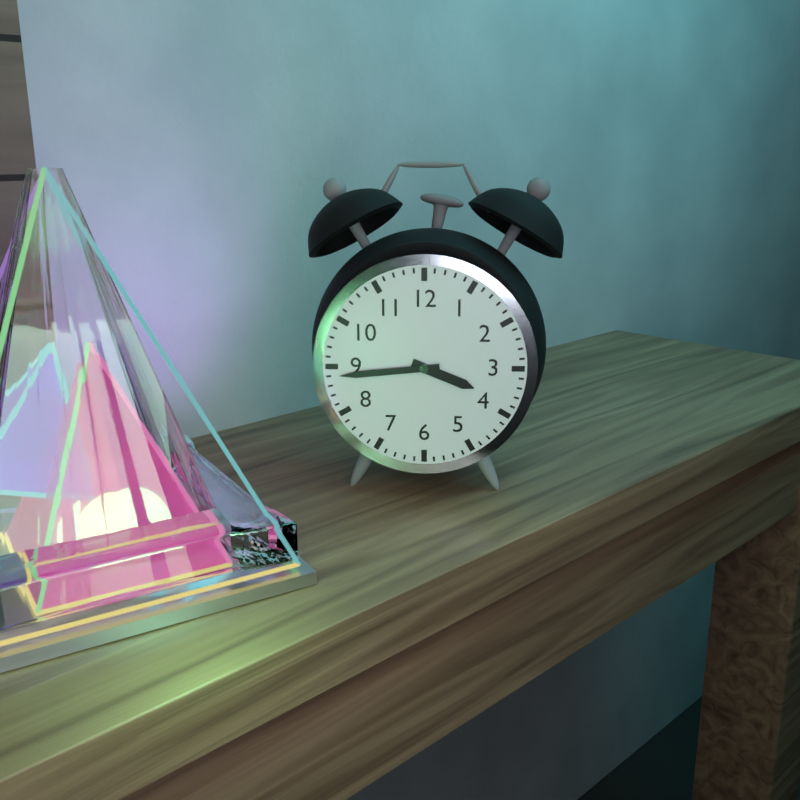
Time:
3.44
